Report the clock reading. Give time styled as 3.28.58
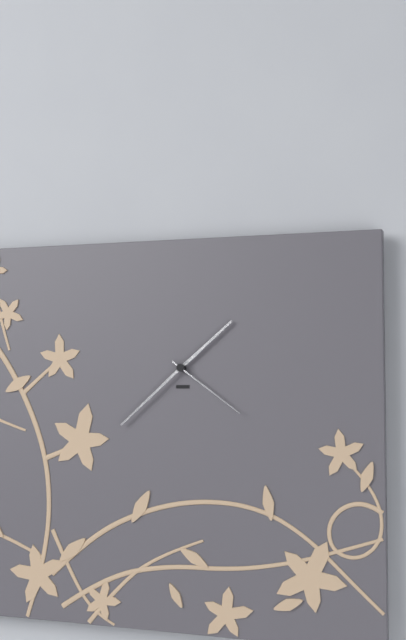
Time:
1.38.21
